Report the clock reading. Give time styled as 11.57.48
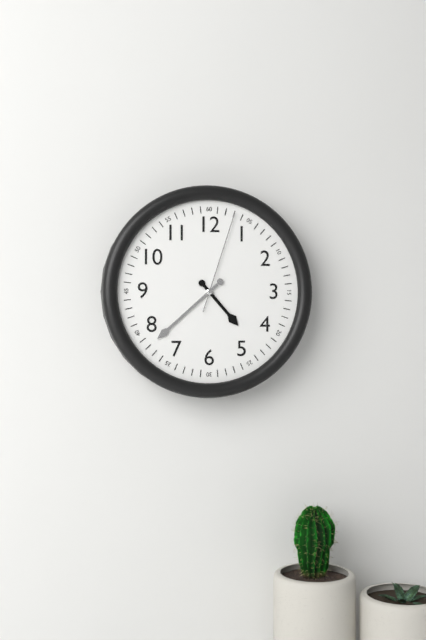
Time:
4.38.03
